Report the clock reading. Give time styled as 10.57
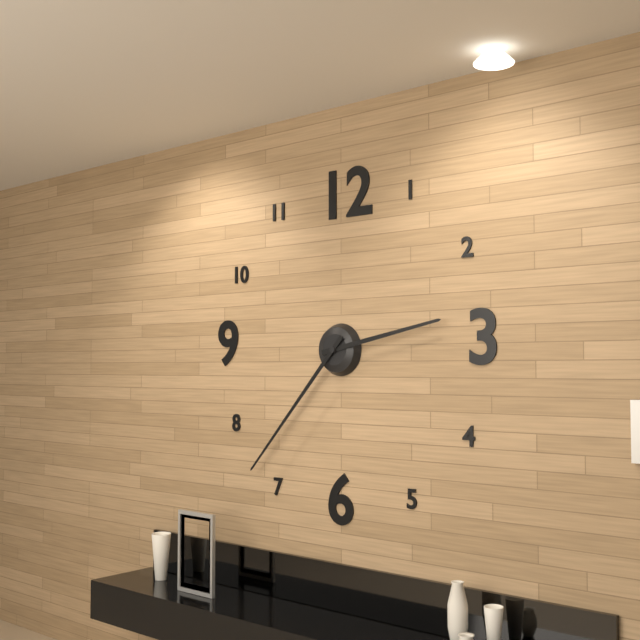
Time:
2.37
